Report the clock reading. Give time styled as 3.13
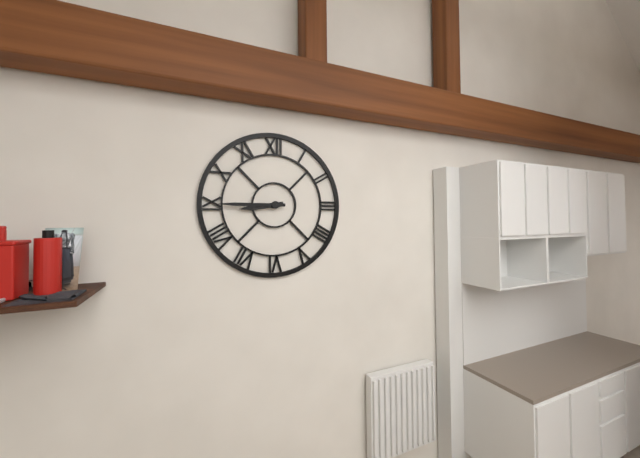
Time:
8.45
